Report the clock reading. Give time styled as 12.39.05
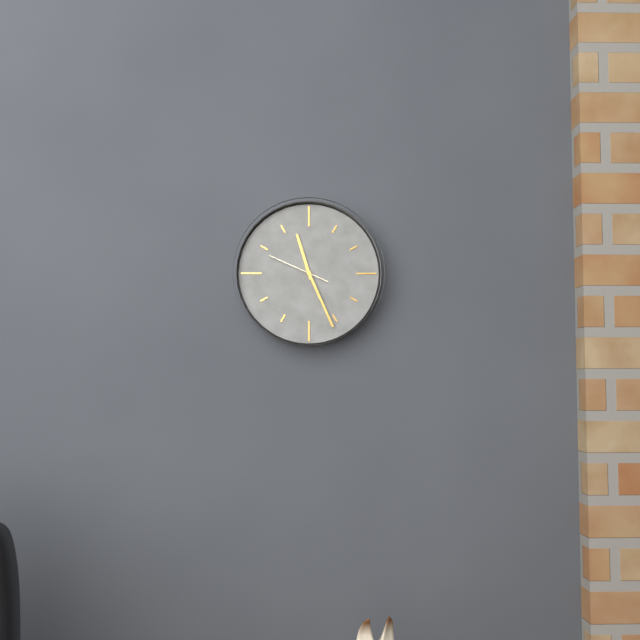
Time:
11.26.49
